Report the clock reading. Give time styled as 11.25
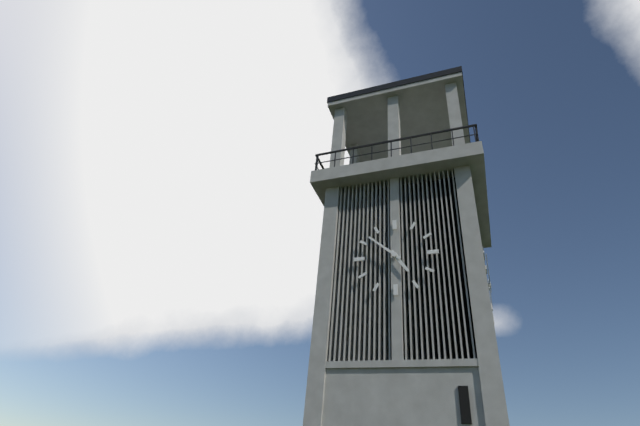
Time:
4.52
